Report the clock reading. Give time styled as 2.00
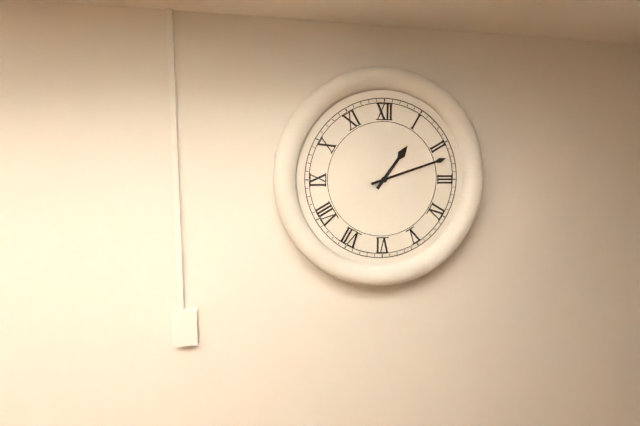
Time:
1.12
